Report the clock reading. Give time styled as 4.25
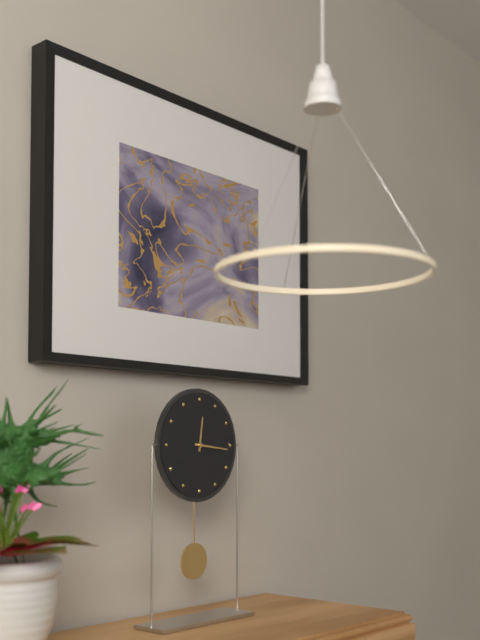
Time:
12.16
